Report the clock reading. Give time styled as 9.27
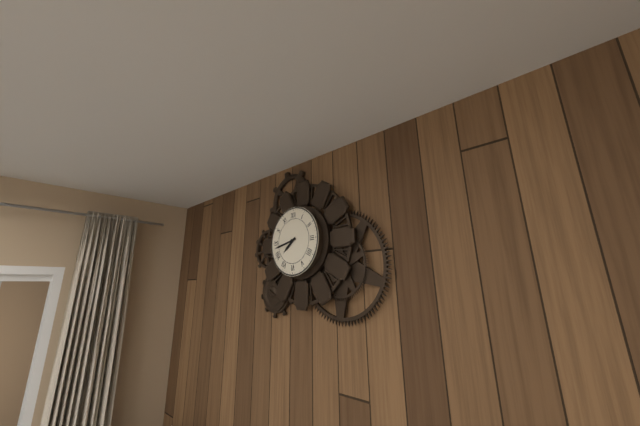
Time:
7.43
